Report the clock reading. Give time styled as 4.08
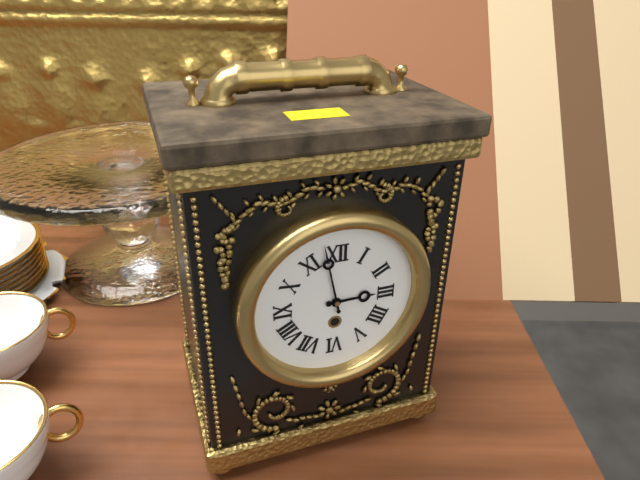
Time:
2.58
